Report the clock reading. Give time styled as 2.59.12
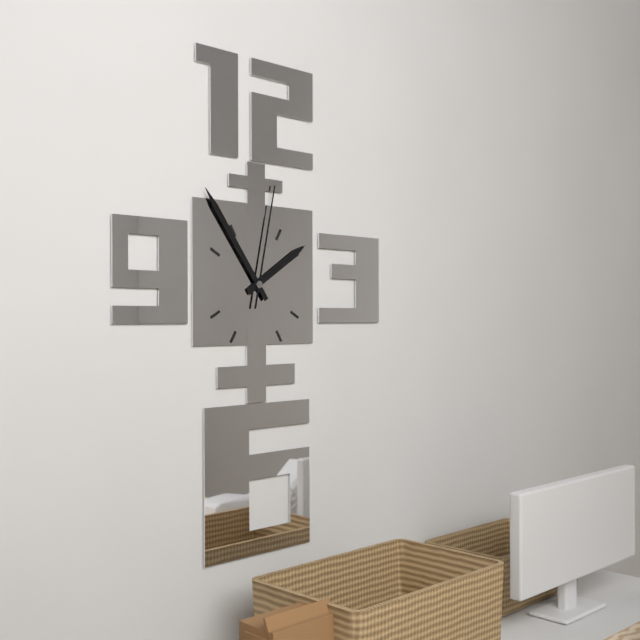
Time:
1.54.02
